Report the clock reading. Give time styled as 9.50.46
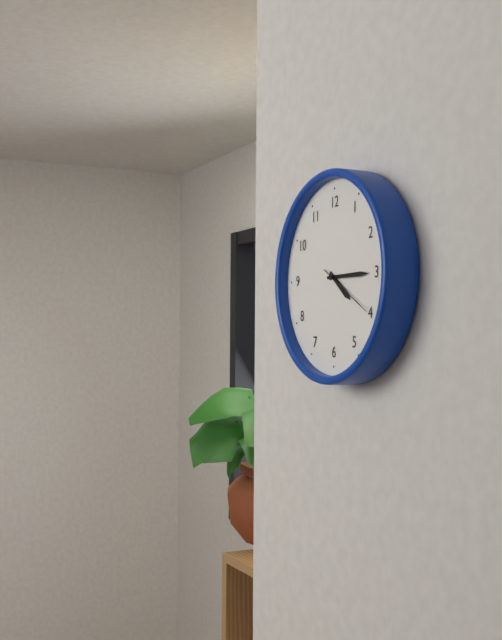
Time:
4.15.20
